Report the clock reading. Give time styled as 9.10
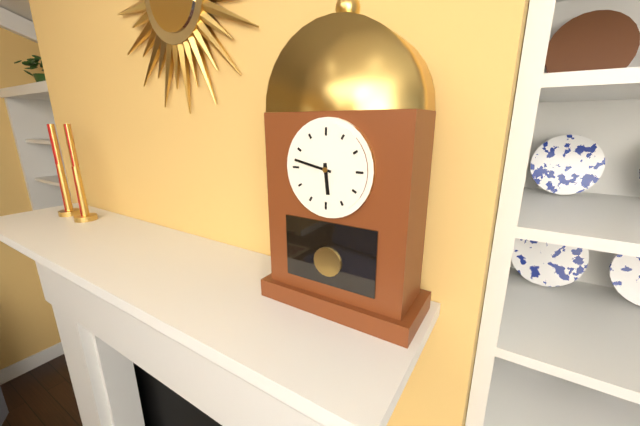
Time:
5.47
